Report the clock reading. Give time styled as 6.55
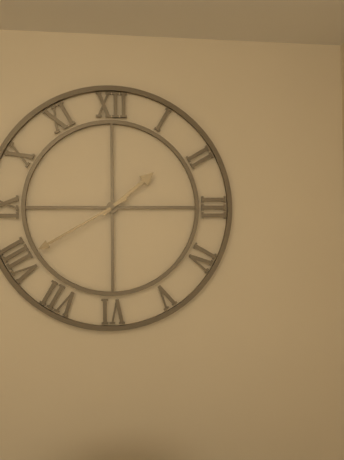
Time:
1.40
